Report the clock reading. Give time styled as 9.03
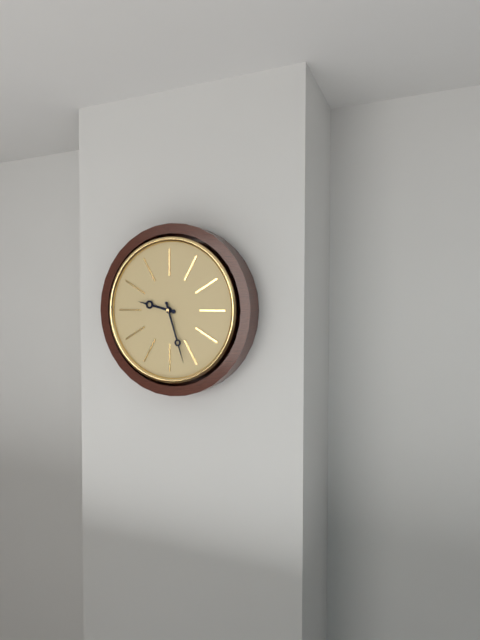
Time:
9.27
